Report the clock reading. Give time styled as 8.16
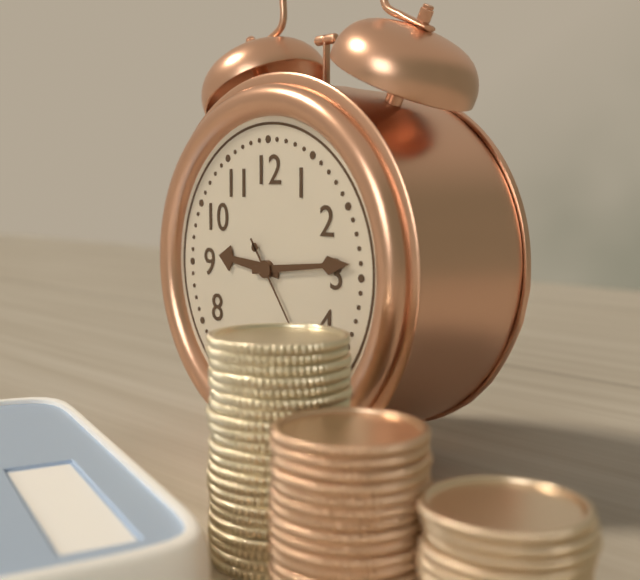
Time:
9.14
